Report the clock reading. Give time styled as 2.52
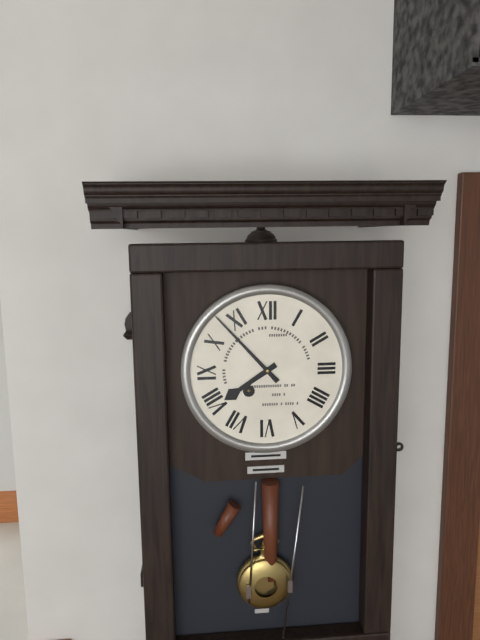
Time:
7.53
